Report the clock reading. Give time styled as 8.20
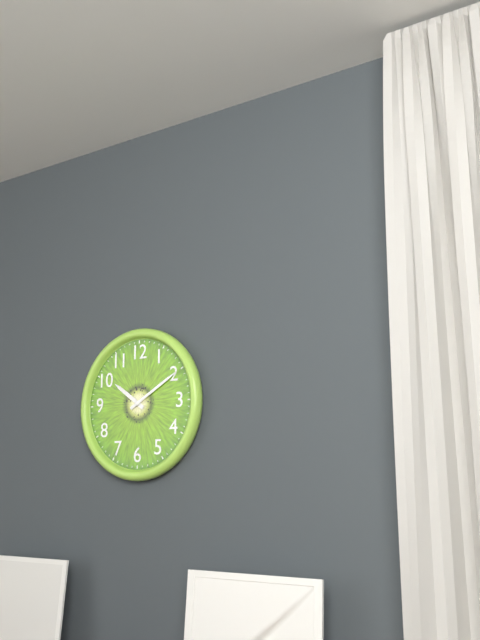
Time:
10.10
